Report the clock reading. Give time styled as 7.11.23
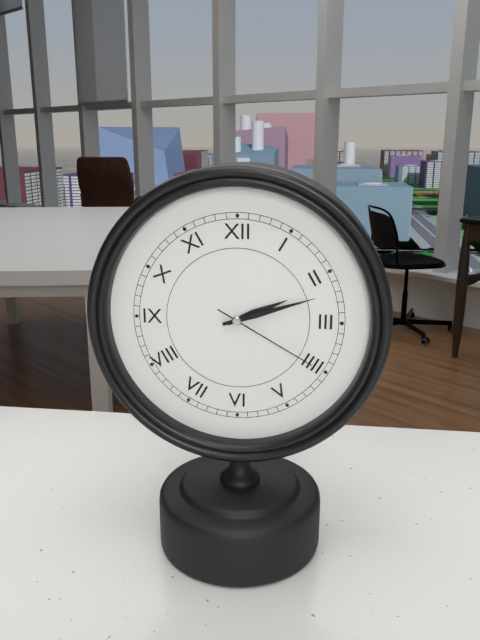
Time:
2.12.20
